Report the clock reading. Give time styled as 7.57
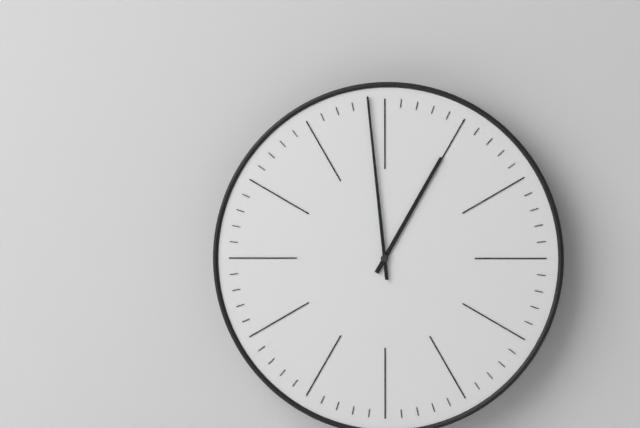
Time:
12.59
